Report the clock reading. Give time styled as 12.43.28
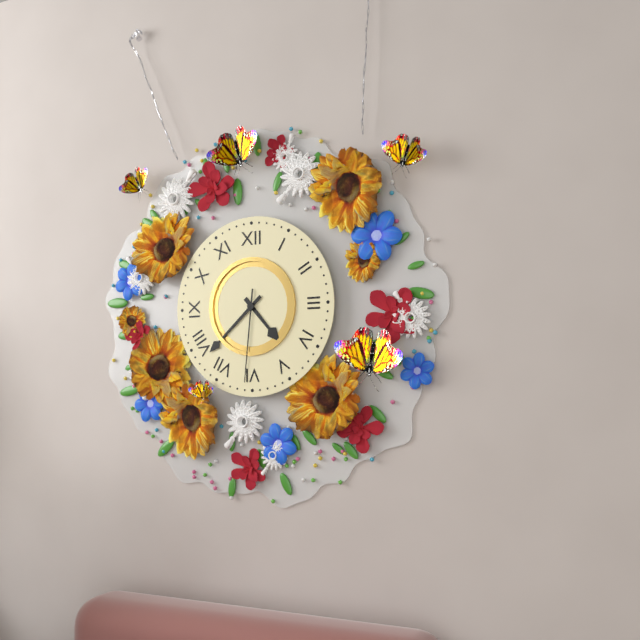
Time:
4.38.31
